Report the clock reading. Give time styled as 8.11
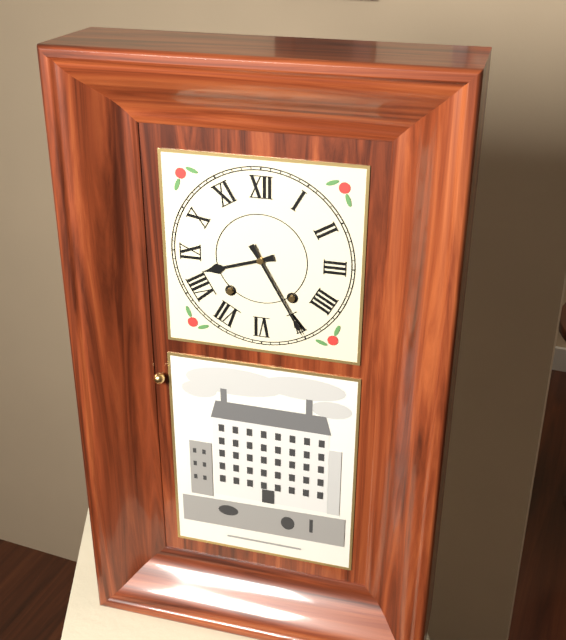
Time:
8.25
